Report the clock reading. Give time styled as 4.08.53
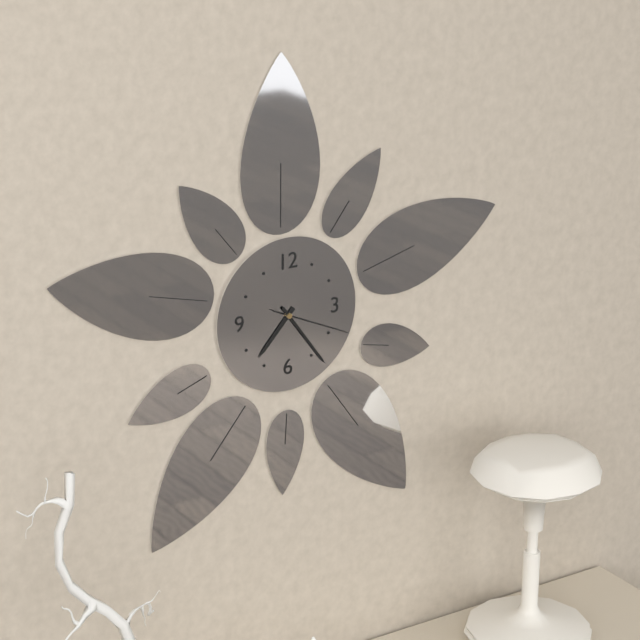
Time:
7.24.19
